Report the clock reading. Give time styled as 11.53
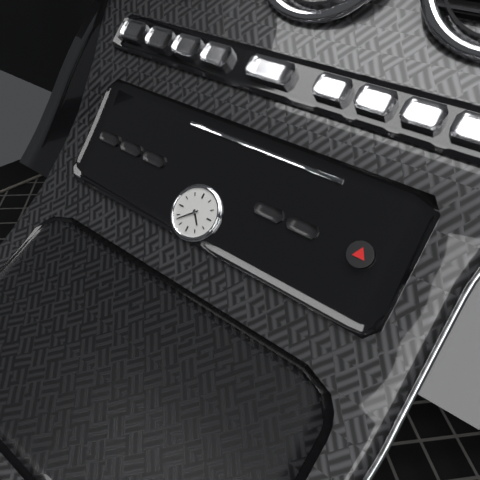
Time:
4.38
